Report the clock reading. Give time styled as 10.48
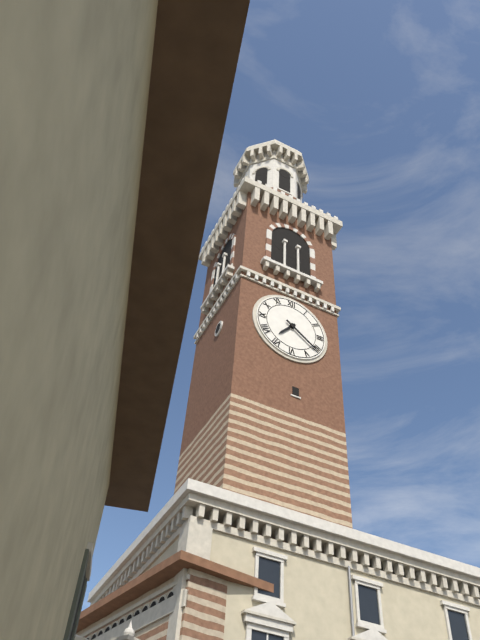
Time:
7.21
